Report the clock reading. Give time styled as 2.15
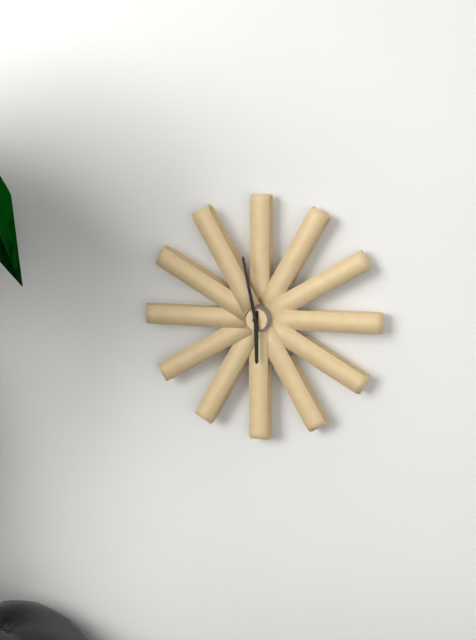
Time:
5.58
